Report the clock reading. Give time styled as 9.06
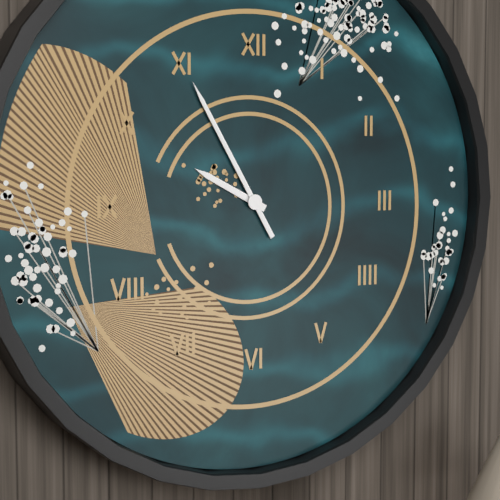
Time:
9.55
